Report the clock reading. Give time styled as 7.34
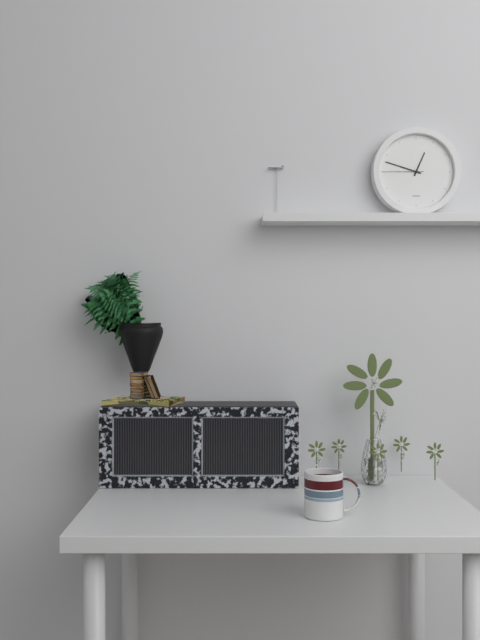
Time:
12.48
